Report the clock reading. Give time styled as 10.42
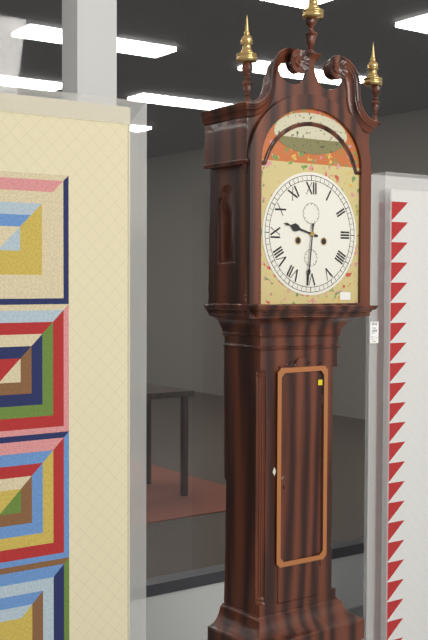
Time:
9.31
